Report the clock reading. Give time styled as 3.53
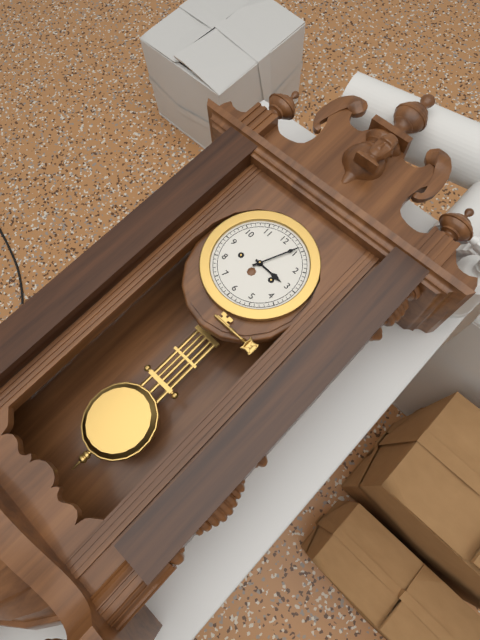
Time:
3.04
